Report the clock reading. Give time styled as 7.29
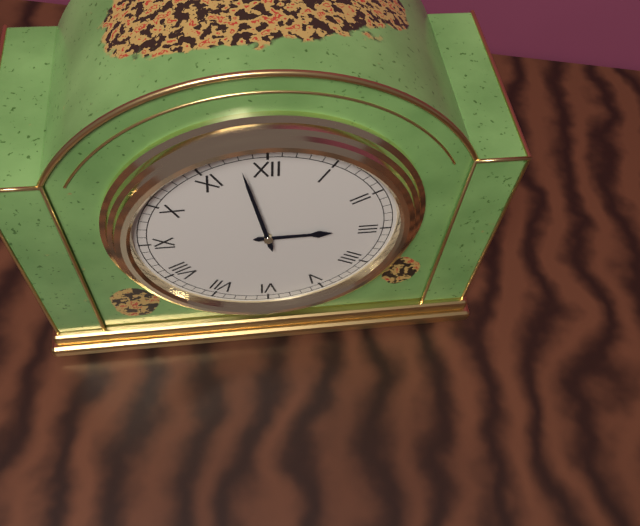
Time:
2.58
